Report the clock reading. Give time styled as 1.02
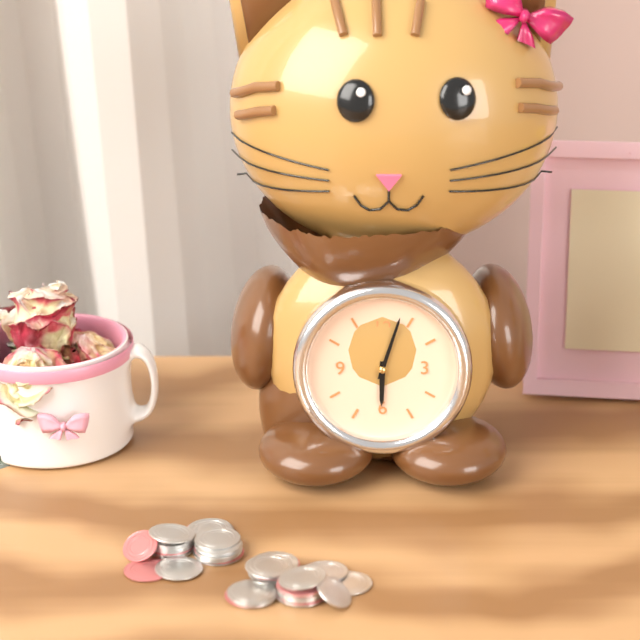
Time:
6.03
